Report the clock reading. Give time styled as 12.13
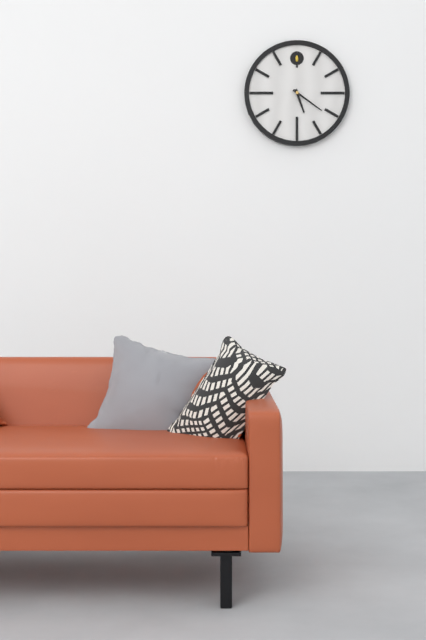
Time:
5.21
